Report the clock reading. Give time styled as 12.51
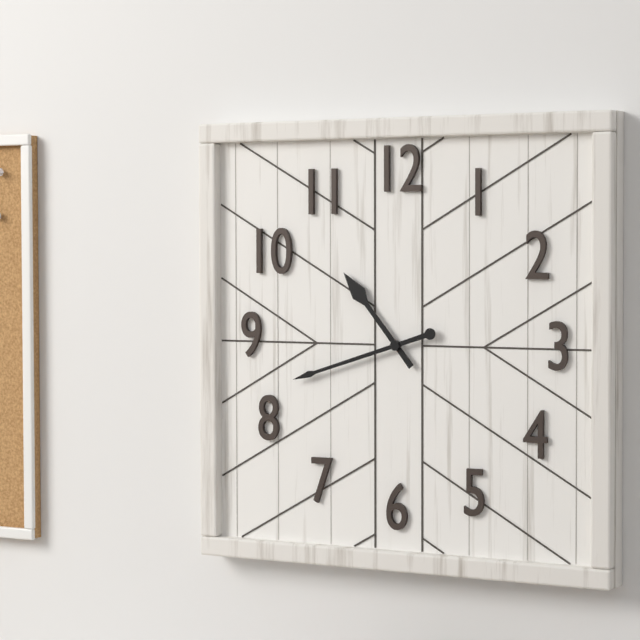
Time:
10.42
